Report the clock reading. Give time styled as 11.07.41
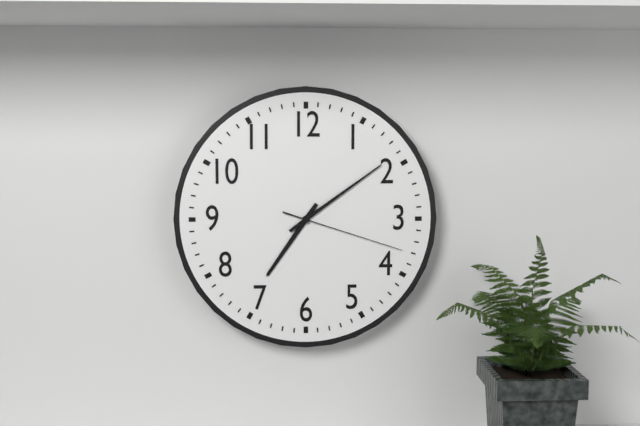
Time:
7.09.18
